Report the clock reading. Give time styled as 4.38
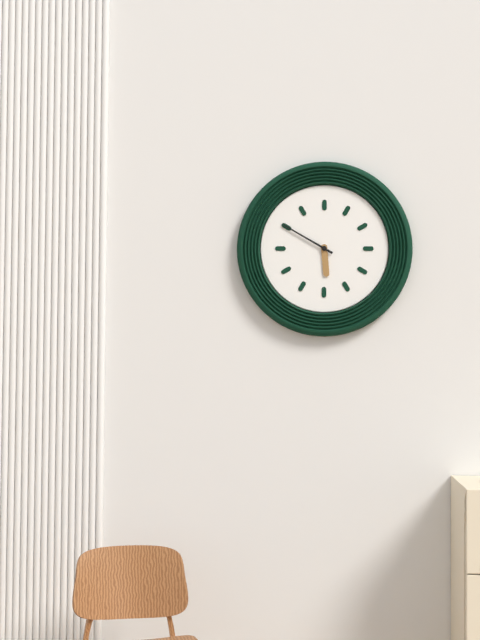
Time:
5.50
